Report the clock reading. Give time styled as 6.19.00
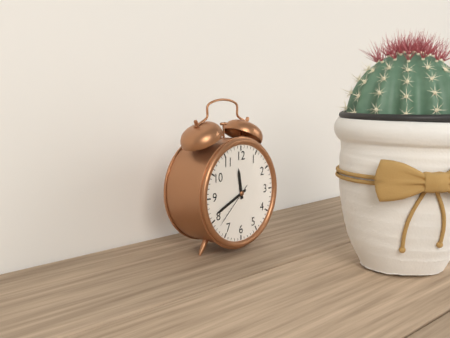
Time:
11.41.38
